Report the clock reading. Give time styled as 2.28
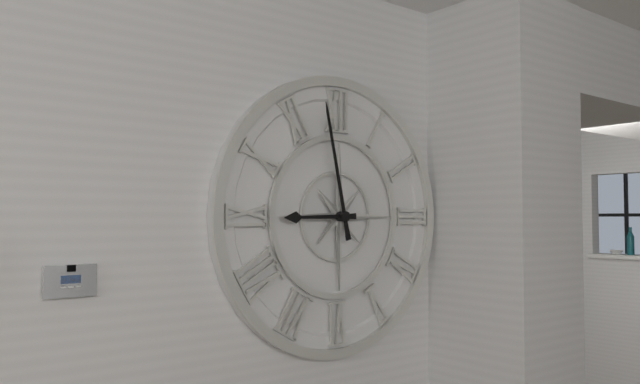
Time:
8.58
